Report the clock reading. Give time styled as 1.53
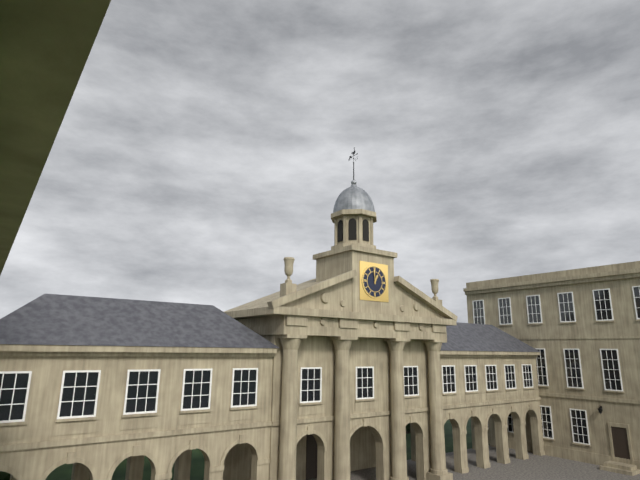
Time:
12.59
